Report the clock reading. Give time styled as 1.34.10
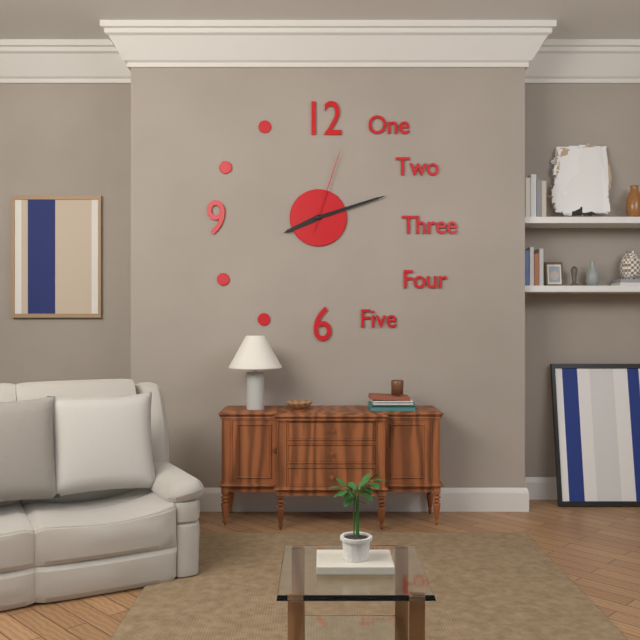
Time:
8.12.03
